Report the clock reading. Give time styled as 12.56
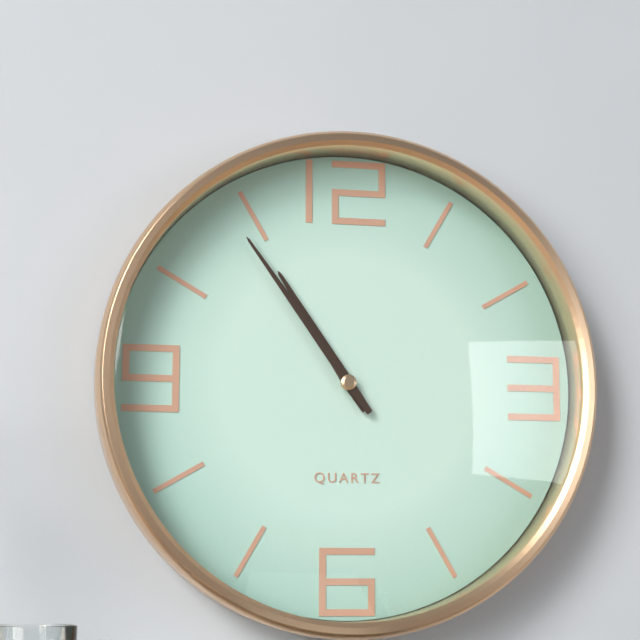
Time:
10.54
